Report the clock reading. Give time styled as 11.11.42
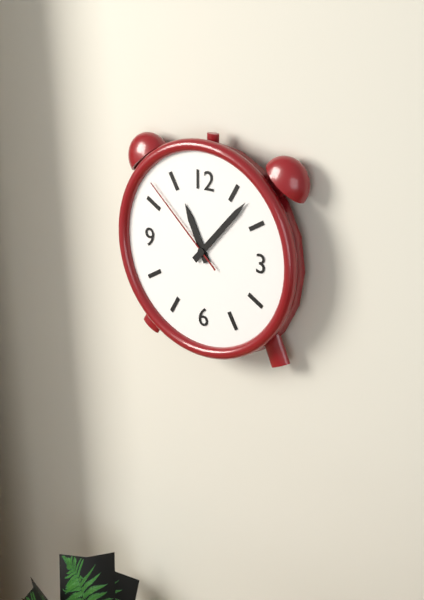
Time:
11.07.52
